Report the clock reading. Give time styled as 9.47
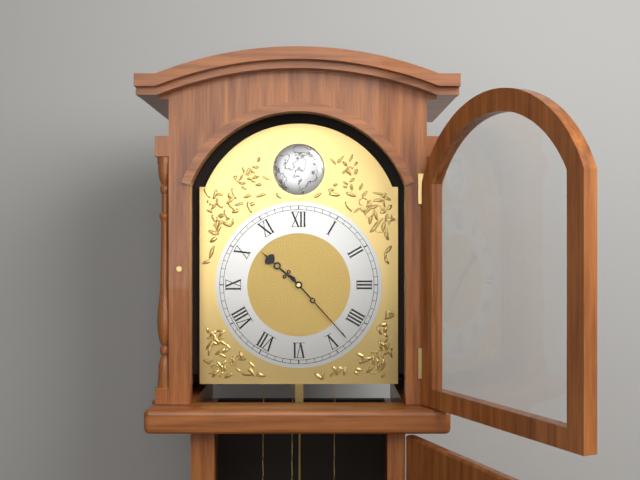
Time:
10.23
